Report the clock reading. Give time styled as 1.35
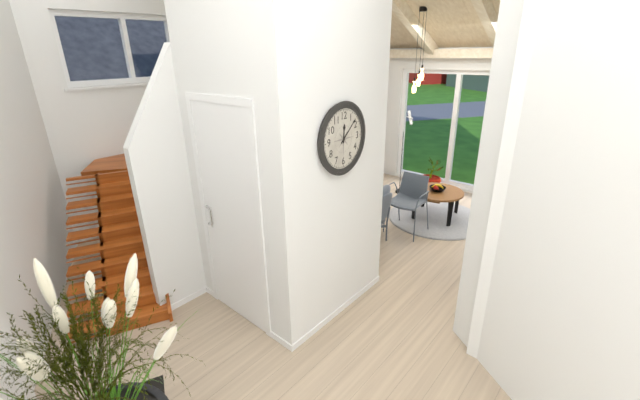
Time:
12.08
